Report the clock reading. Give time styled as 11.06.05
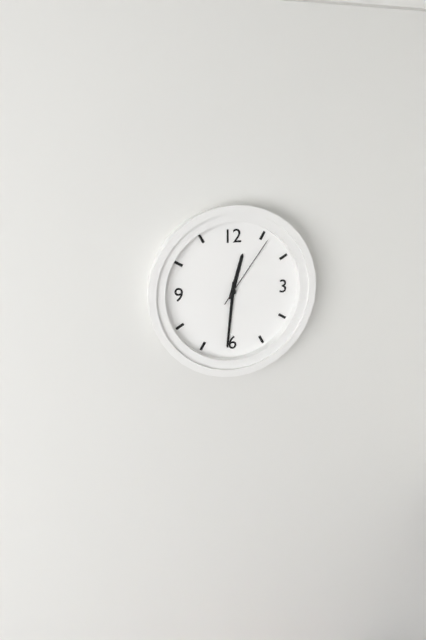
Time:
12.31.06
